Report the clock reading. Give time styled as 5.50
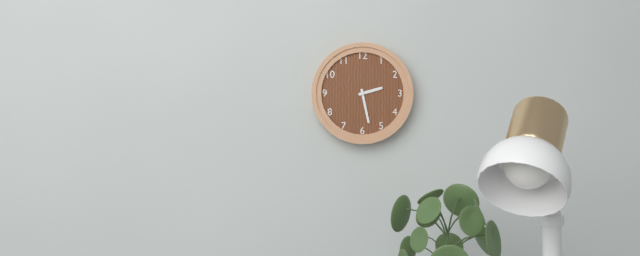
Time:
2.28
